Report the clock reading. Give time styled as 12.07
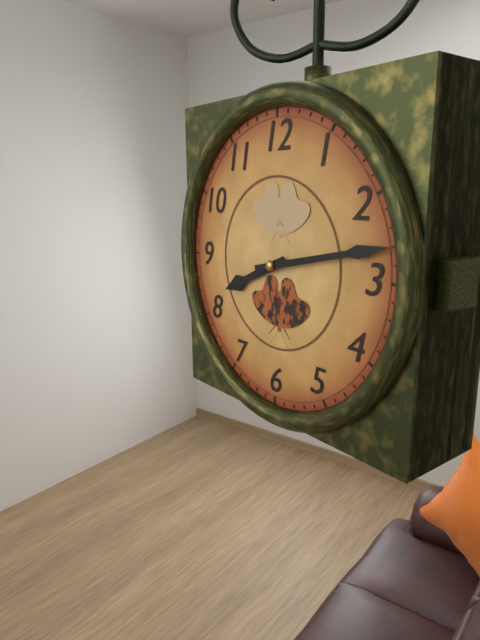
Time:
8.13
